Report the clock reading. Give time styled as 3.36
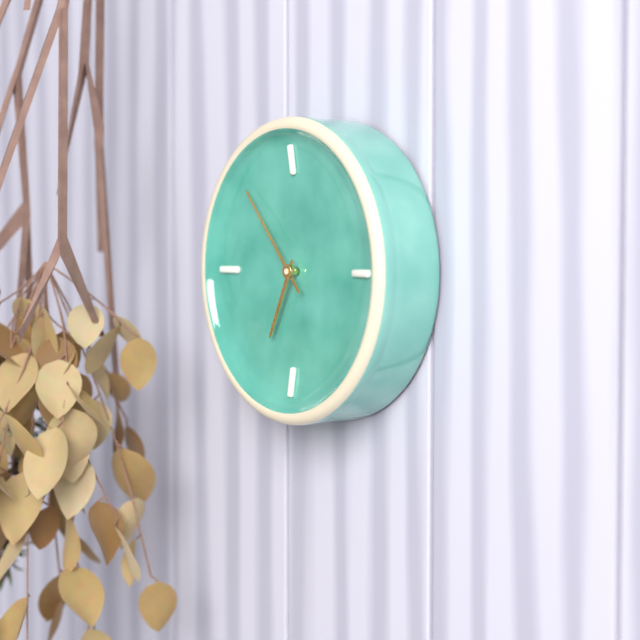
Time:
6.53
